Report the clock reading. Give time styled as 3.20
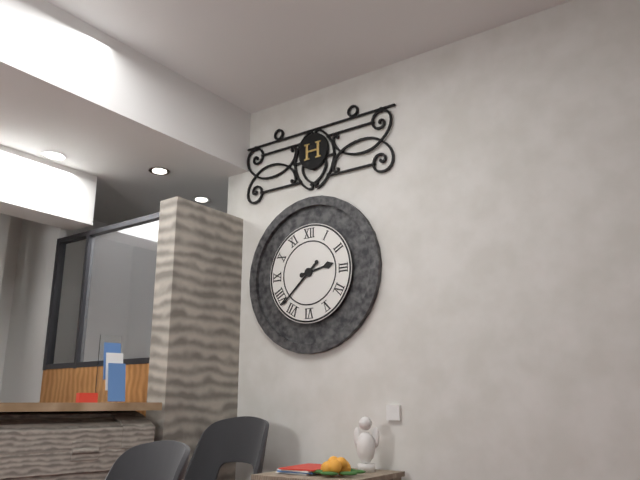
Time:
2.38
